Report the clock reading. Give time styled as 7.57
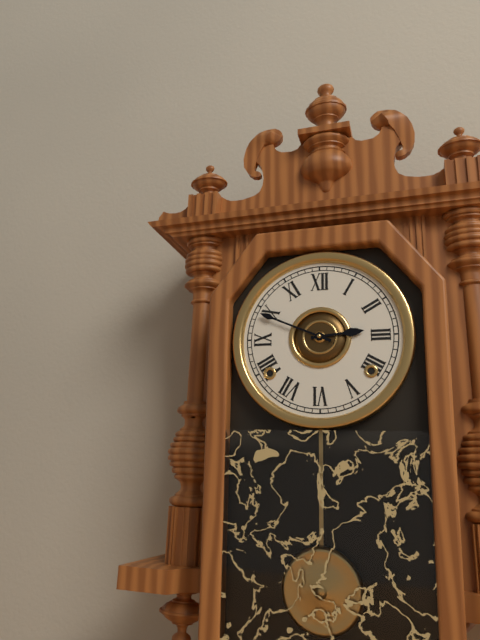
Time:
2.49
